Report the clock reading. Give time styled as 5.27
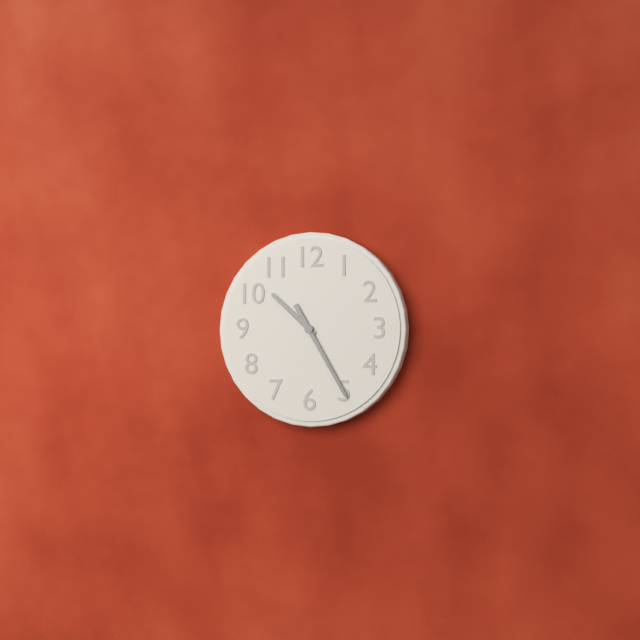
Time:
10.25
